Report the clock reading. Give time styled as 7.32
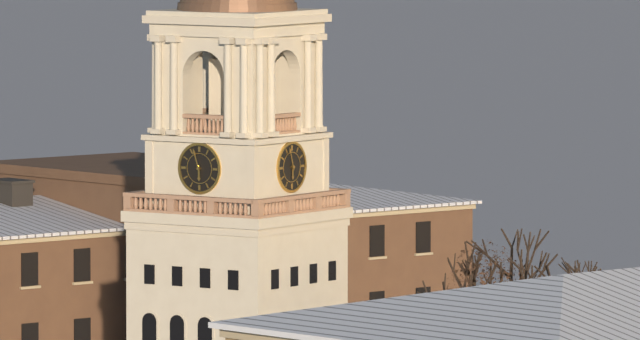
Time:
5.57
